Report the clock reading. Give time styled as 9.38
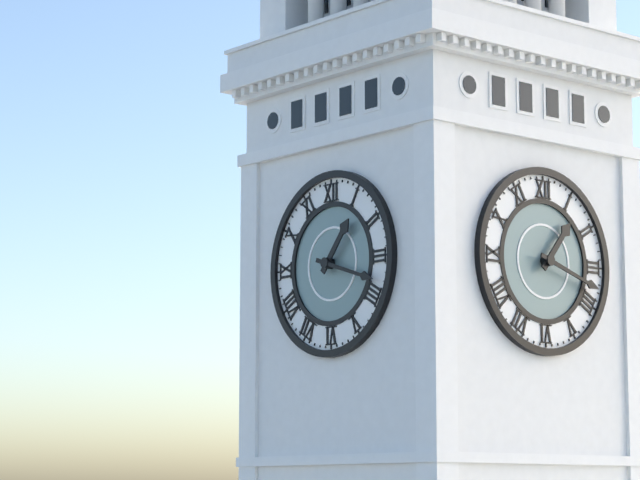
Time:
1.18
